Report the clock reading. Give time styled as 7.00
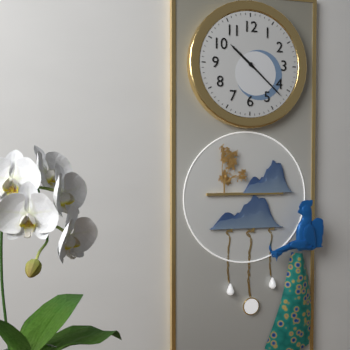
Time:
10.22
